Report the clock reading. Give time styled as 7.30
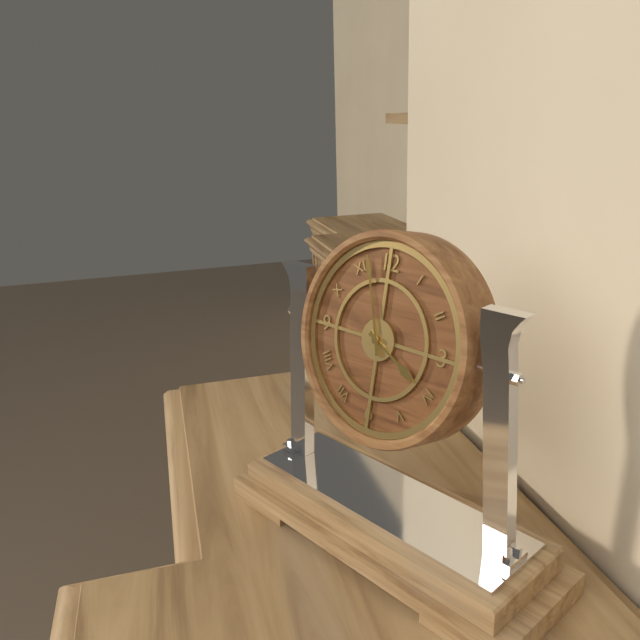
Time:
3.57
